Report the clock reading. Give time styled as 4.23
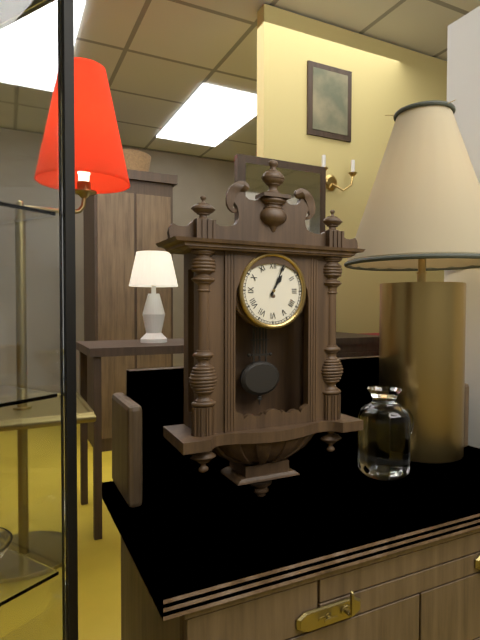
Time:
1.04
